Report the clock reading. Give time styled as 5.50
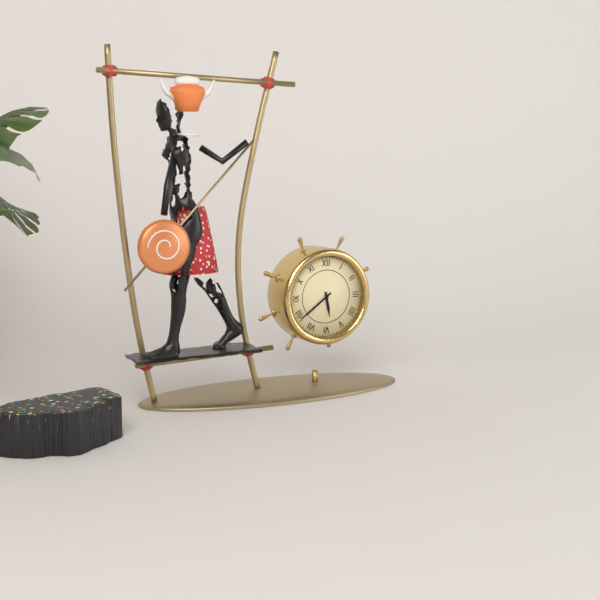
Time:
5.39
